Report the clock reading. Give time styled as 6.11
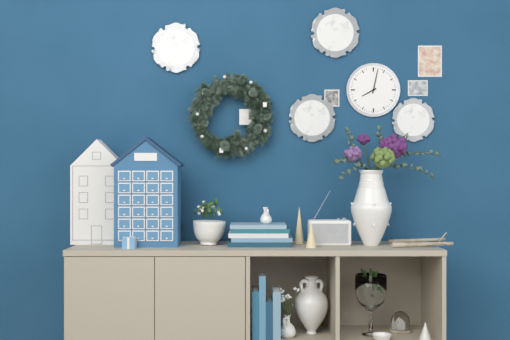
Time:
8.02
